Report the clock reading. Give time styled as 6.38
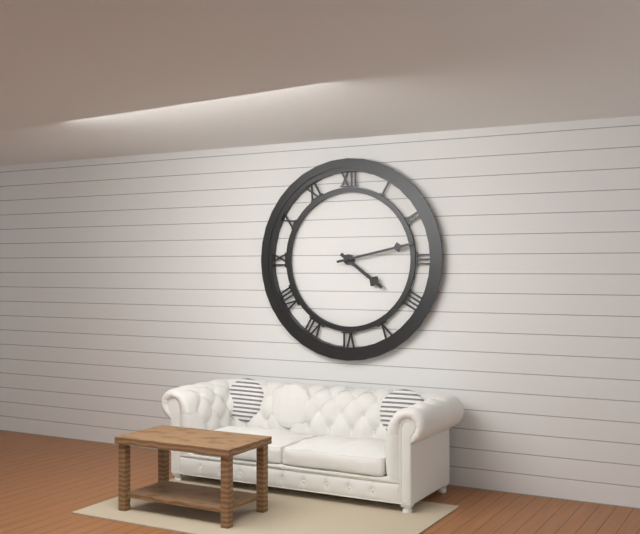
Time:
4.13
